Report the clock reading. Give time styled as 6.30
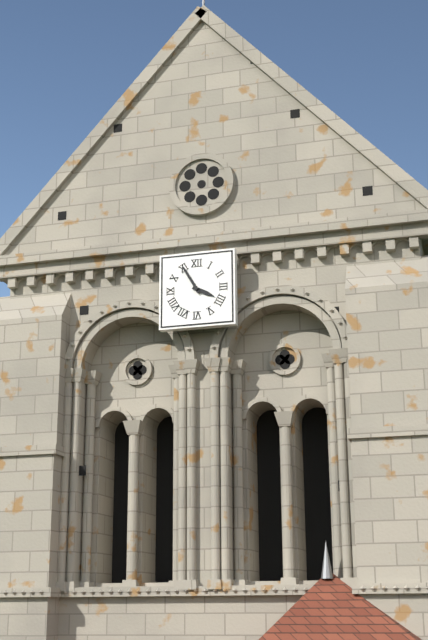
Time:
3.55
